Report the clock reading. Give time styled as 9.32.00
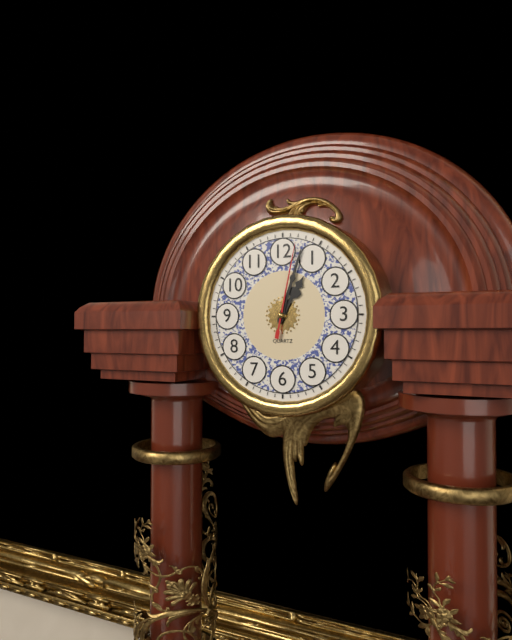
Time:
1.03.02
